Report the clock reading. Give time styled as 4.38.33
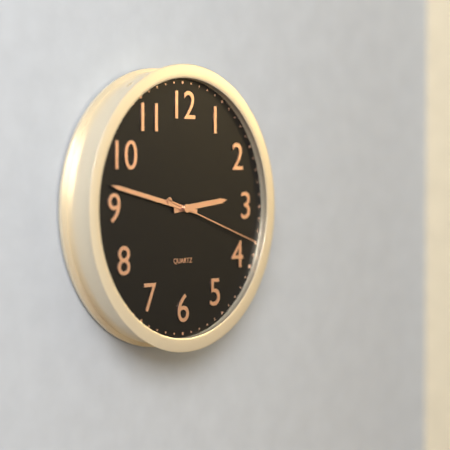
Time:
2.47.18
